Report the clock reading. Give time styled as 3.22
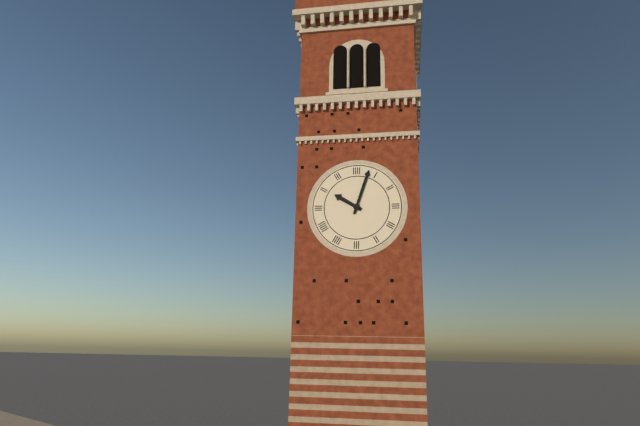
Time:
10.03
